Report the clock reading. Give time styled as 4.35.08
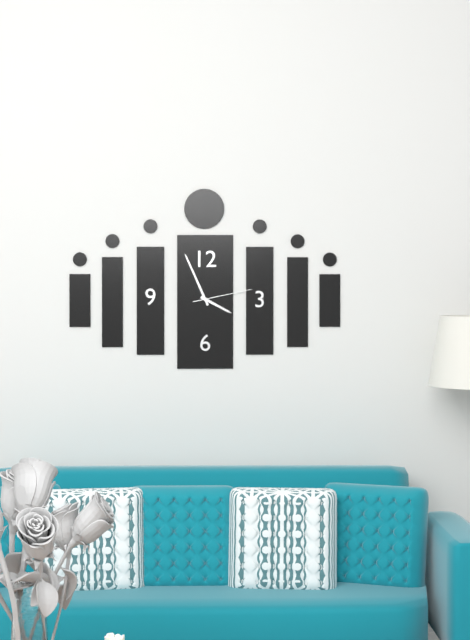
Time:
3.56.13
